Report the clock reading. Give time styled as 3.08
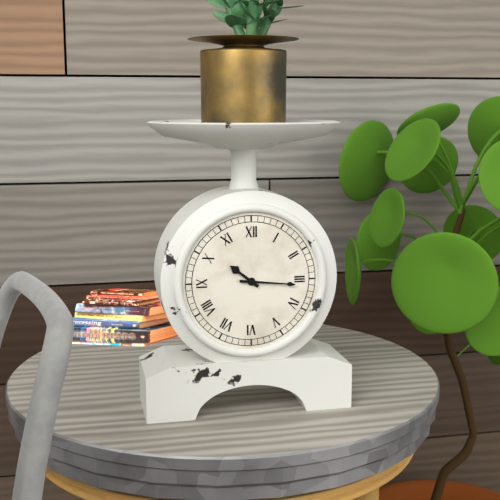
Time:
10.16
